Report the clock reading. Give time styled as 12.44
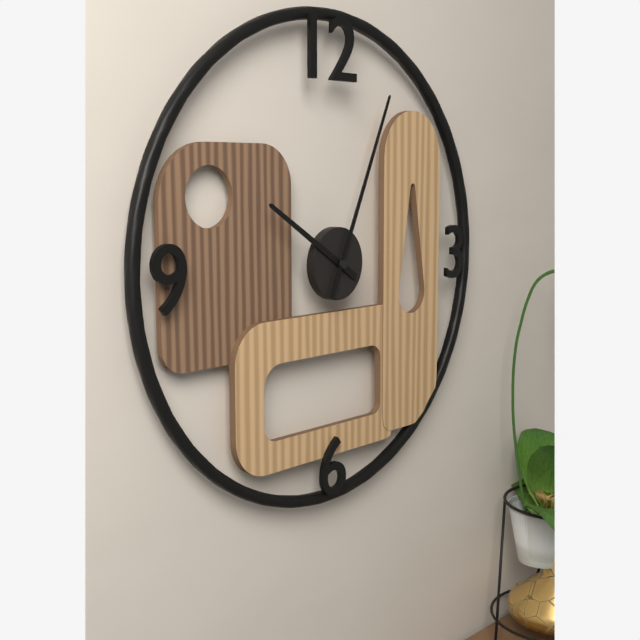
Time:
10.04
